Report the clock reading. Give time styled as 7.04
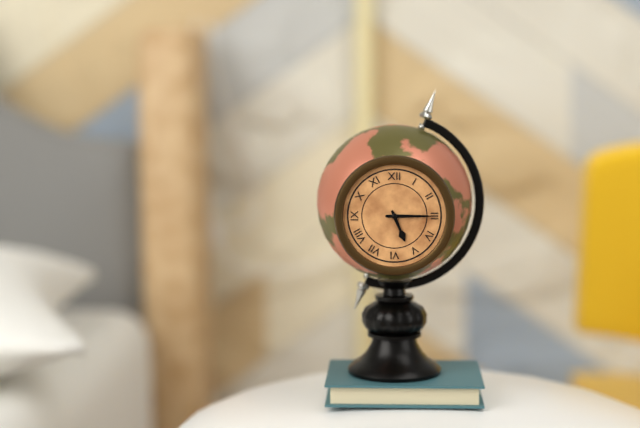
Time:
5.15
